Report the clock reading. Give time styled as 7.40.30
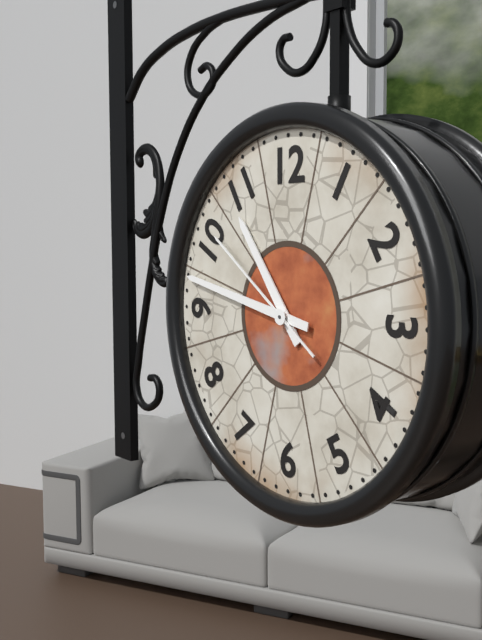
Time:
10.47.51
